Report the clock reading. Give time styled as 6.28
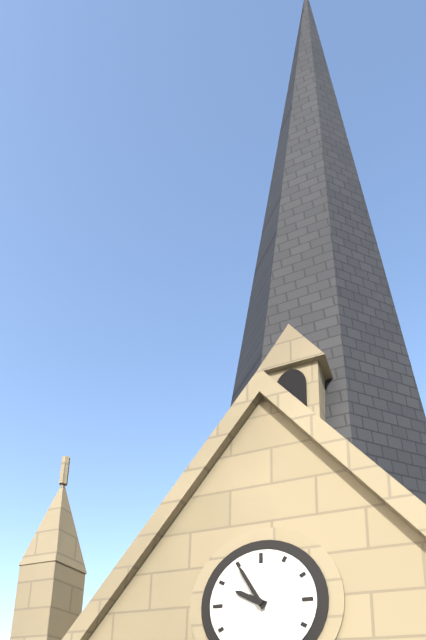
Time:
9.55
